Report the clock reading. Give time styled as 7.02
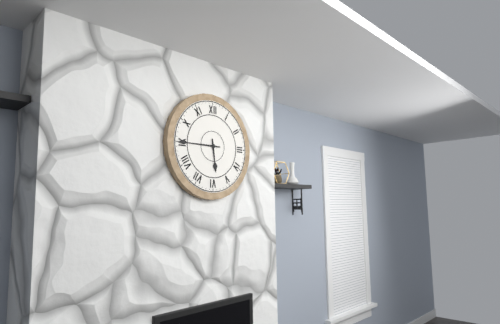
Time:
5.45
